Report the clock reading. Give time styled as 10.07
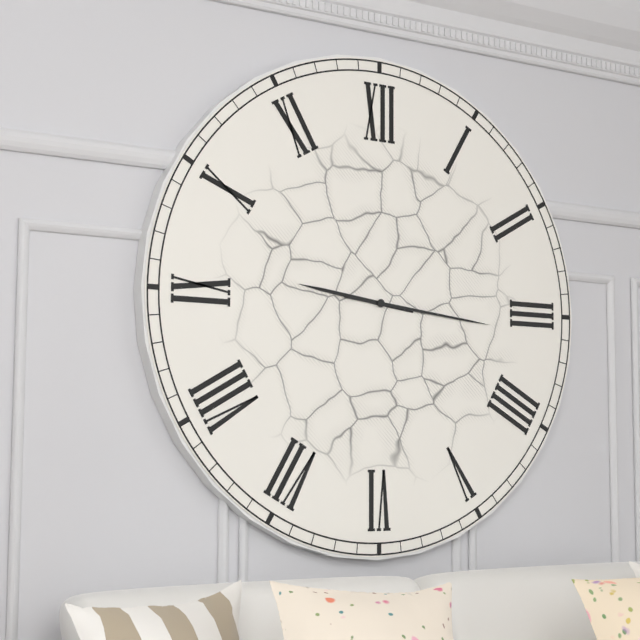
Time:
9.16
